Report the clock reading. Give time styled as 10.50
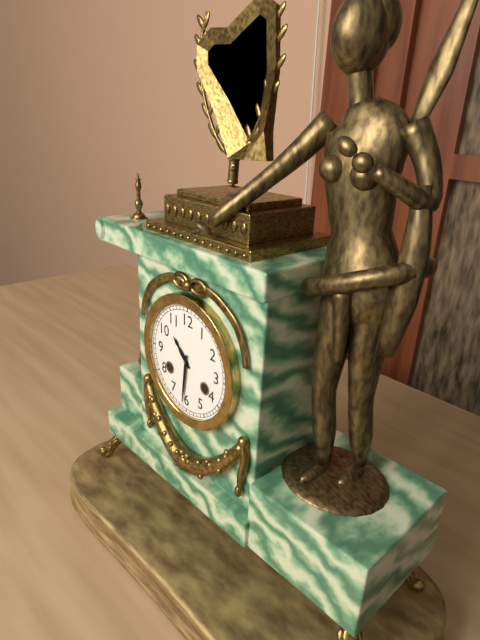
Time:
10.31
